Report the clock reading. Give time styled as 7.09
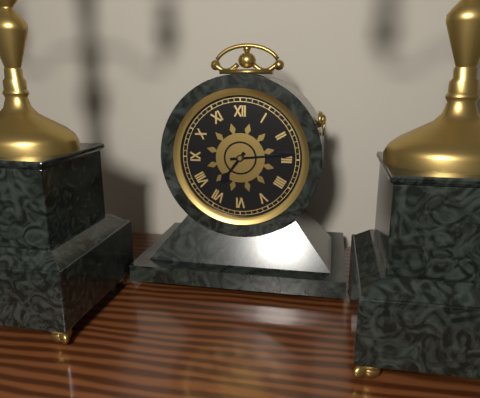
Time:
7.14
